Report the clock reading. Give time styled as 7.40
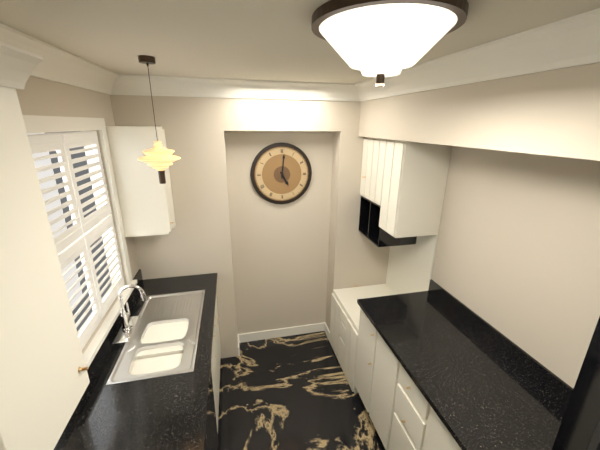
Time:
5.01
